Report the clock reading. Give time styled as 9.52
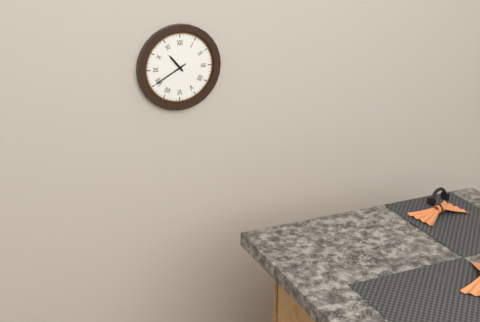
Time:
10.40
